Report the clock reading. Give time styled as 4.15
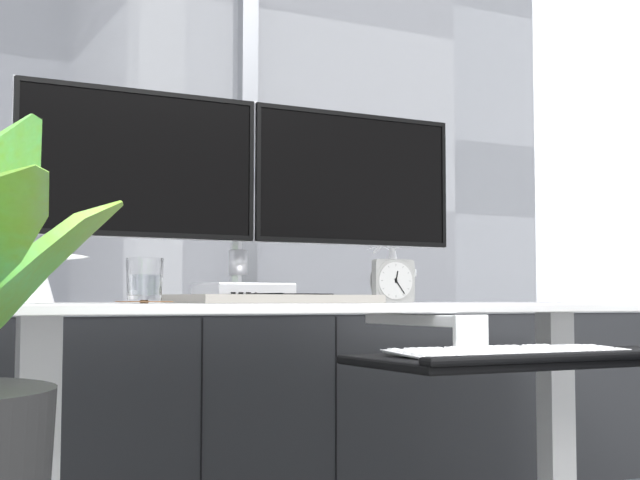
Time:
12.24
